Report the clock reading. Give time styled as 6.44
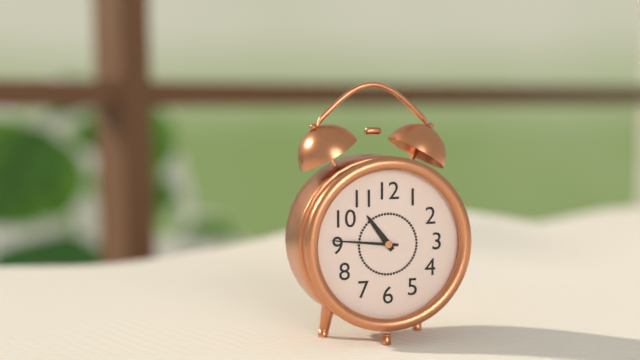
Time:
10.46
